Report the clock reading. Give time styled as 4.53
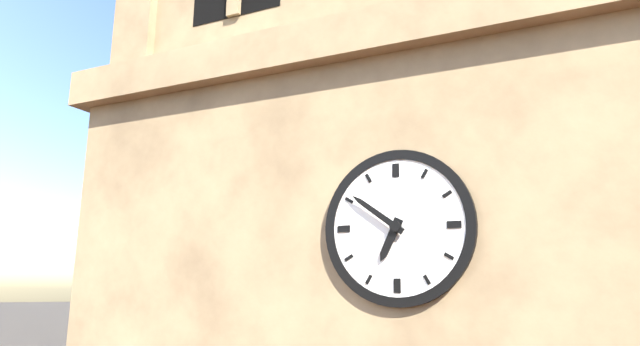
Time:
6.51
